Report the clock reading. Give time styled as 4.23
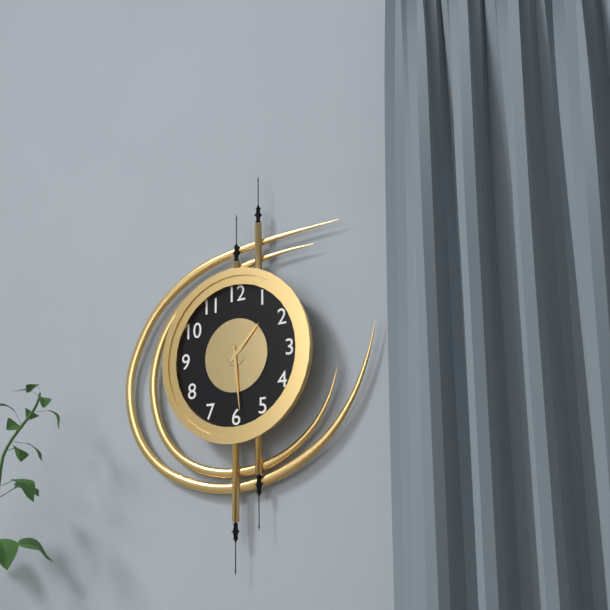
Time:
1.29
